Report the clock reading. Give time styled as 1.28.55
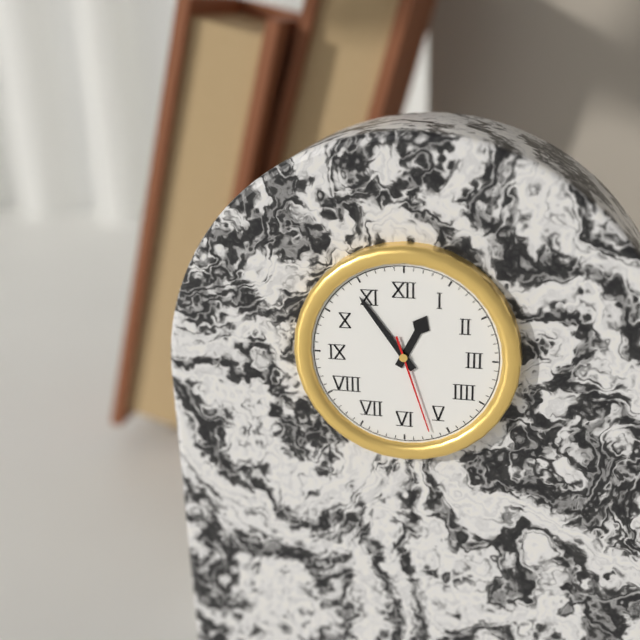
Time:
12.54.27
